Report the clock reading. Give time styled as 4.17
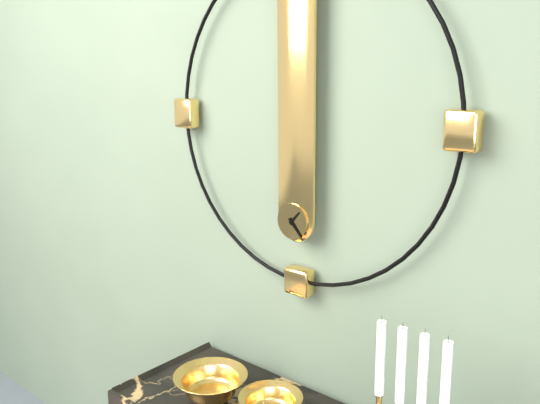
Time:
1.23
